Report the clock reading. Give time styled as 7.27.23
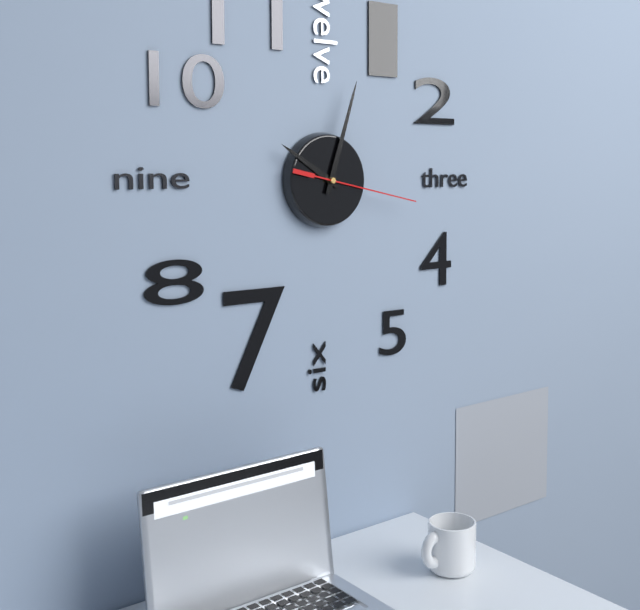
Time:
10.03.17
